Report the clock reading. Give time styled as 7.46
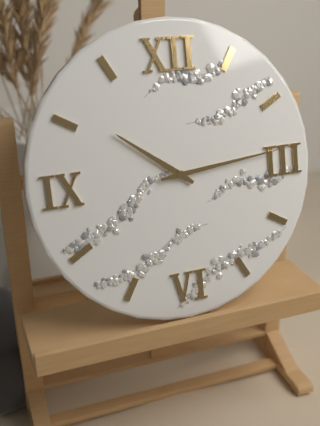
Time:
10.14
